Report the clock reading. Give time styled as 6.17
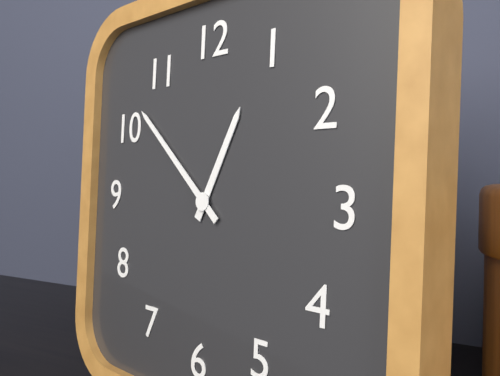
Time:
12.52
